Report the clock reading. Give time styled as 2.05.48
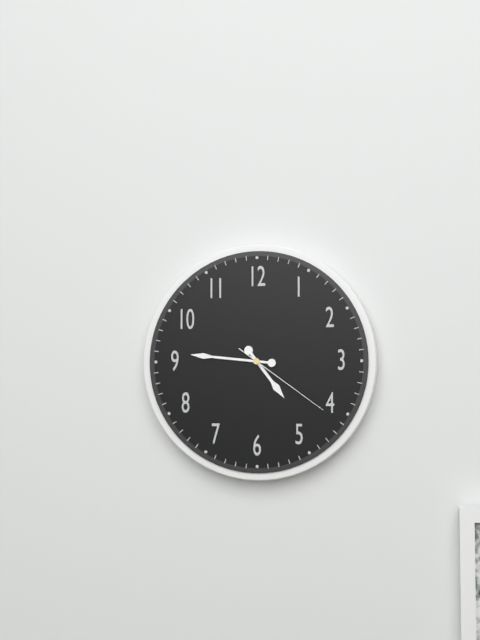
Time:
4.46.21
